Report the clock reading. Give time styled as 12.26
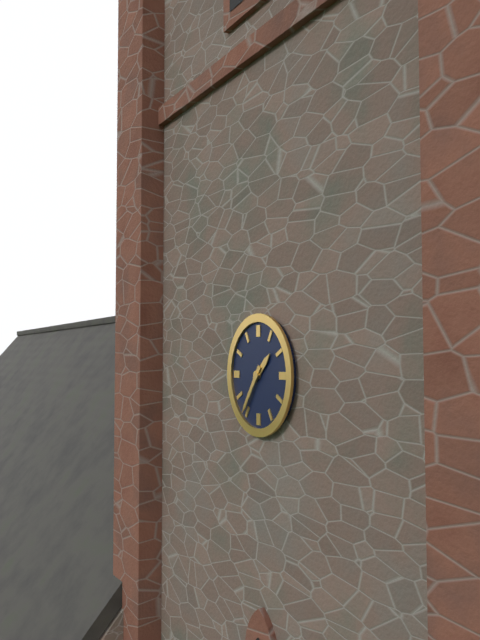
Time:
1.36
